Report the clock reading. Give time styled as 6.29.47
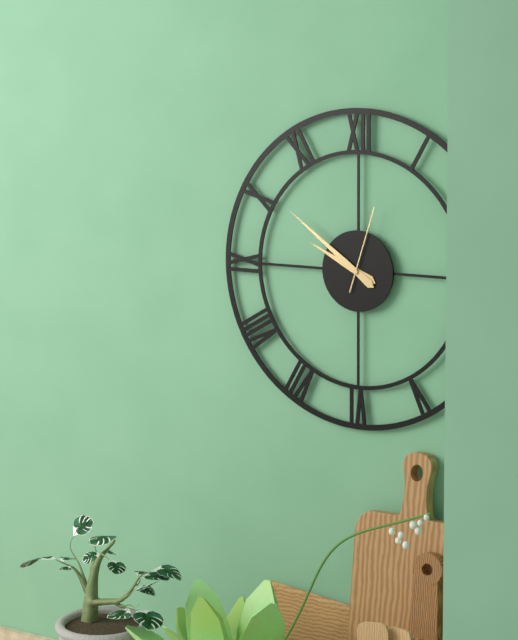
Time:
9.51.03
